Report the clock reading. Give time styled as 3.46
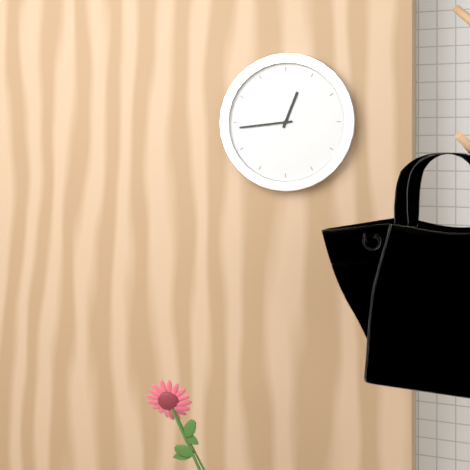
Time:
12.44
